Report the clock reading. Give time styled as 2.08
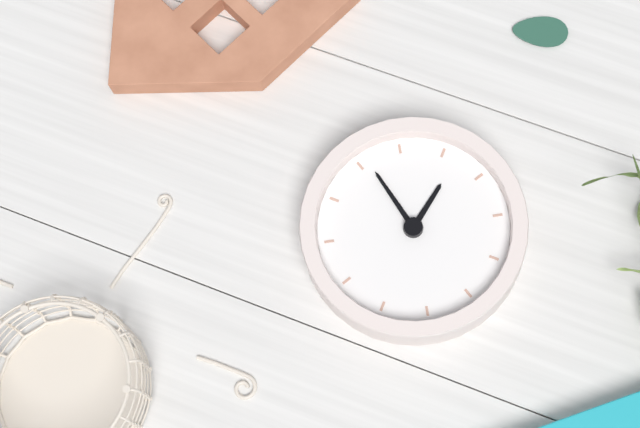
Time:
6.21
